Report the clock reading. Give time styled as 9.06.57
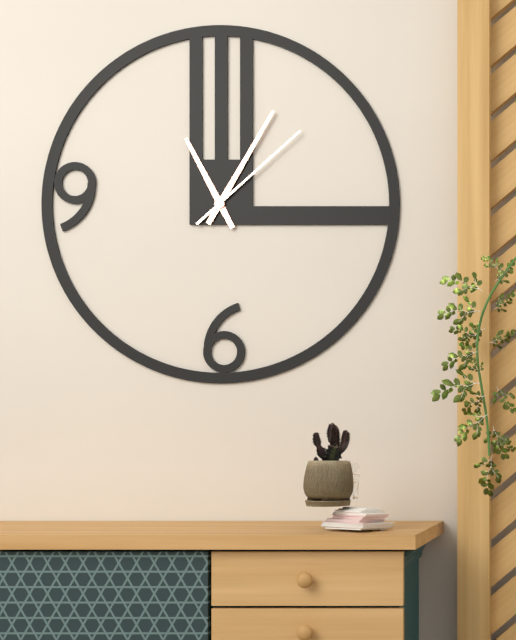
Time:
11.05.08
